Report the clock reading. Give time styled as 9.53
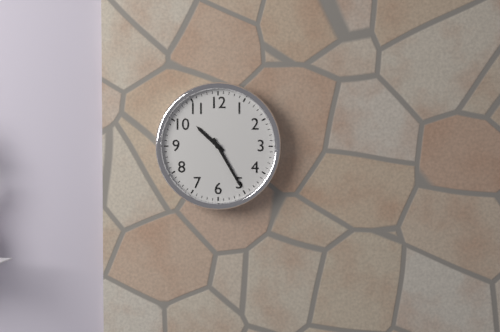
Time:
10.25
